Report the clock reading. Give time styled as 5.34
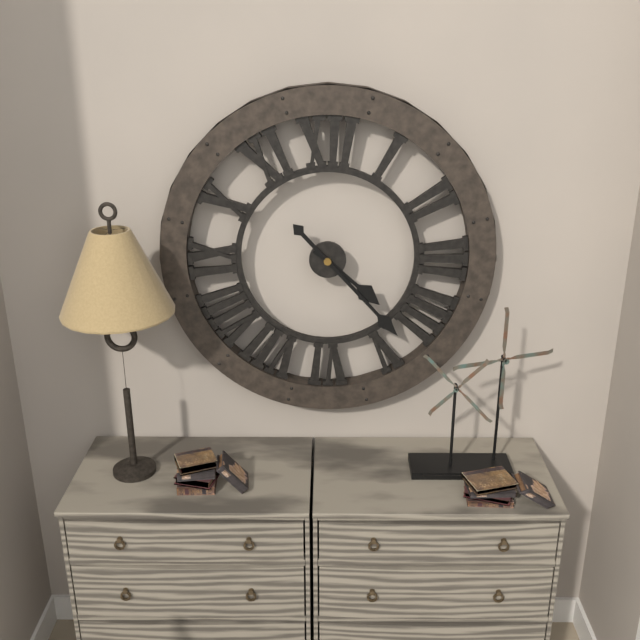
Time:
4.23
